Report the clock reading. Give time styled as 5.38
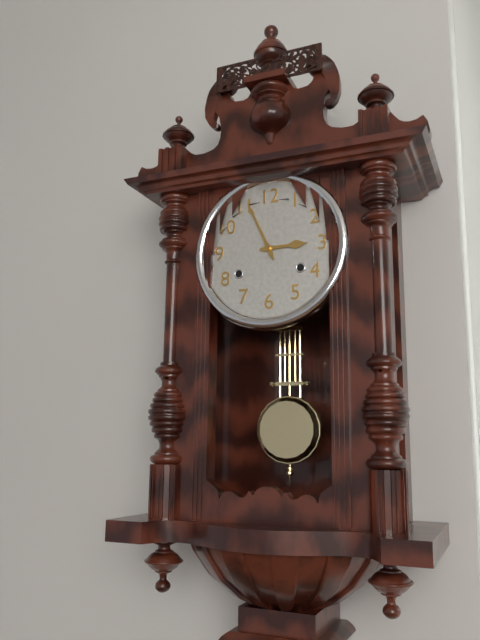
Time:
2.56
